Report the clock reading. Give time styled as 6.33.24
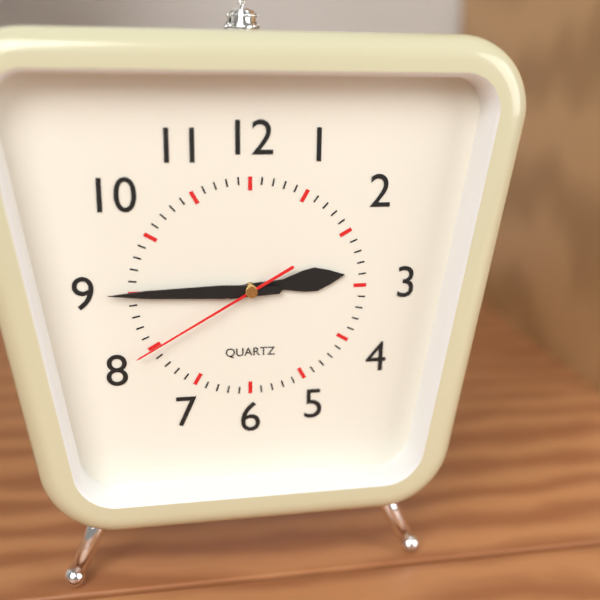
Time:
2.45.40
